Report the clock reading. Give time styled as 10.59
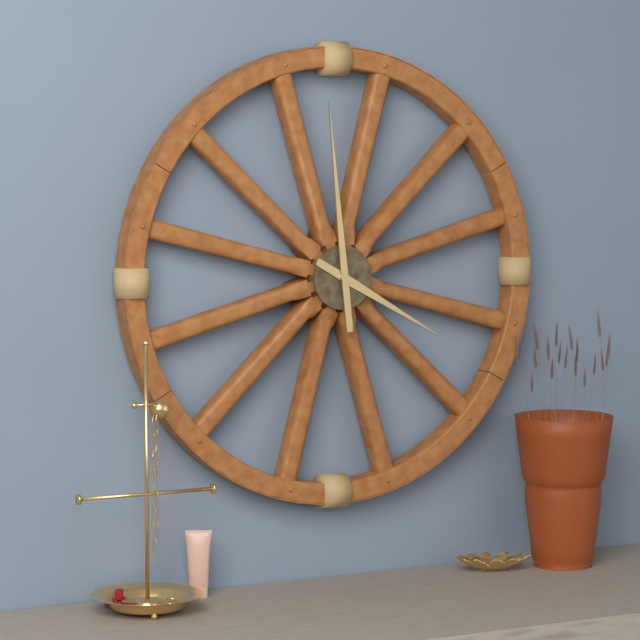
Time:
3.59
